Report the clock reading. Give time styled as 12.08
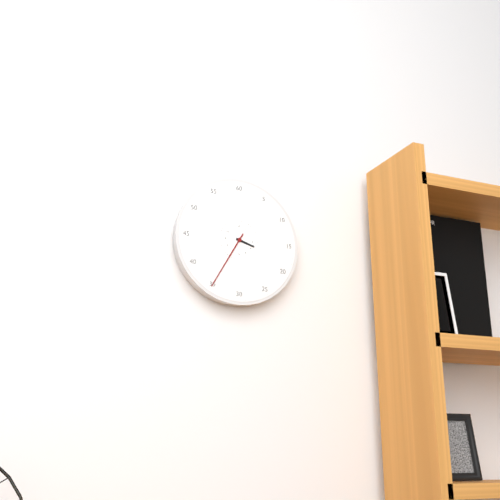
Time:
3.35
